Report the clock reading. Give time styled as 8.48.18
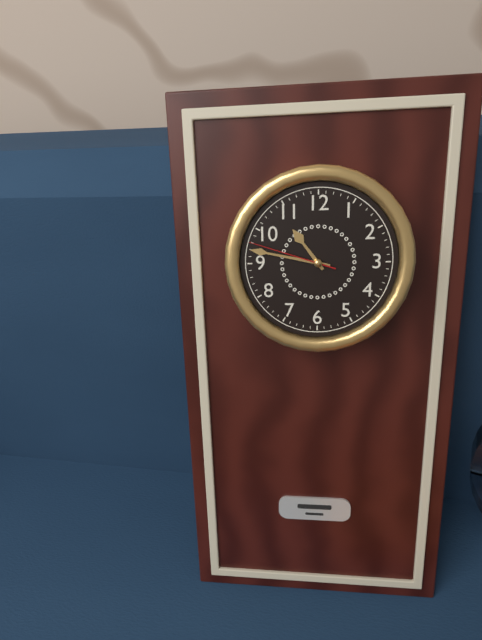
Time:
10.47.48
